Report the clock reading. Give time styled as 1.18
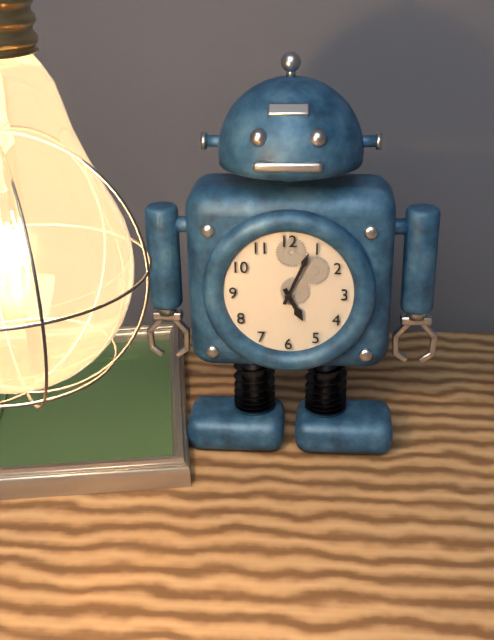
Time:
5.04
